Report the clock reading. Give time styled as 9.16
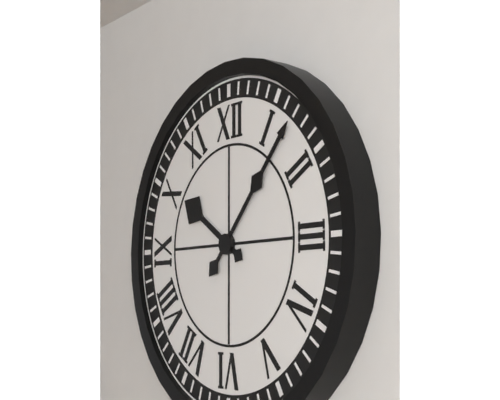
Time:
10.07
